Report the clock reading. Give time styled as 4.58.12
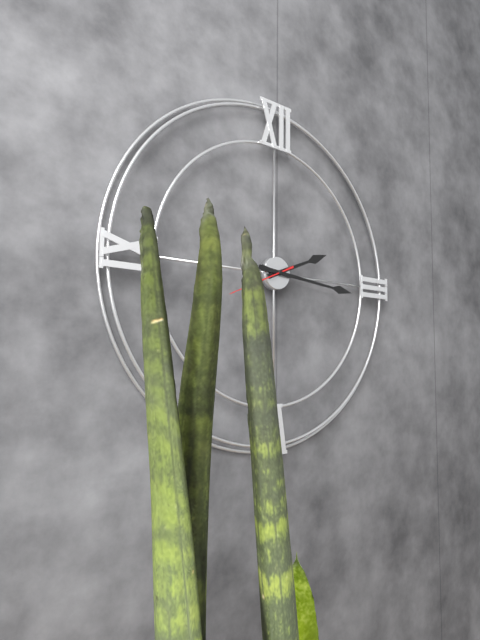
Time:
2.16.41
